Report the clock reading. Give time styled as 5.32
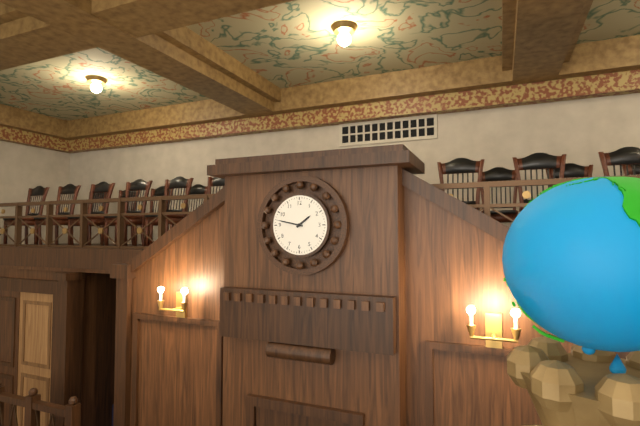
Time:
1.47
